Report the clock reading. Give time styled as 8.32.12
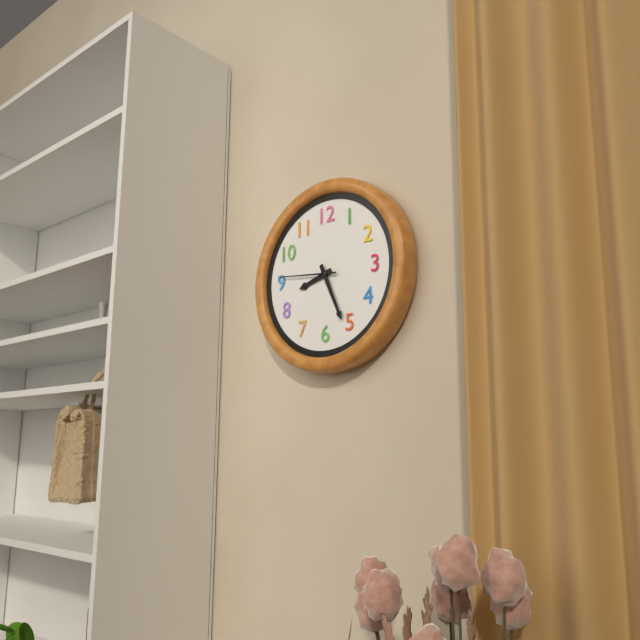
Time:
8.26.46
